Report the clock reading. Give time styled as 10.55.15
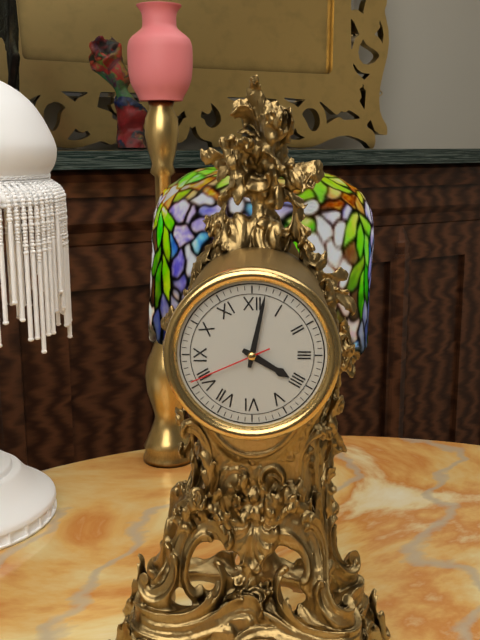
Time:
4.02.41
